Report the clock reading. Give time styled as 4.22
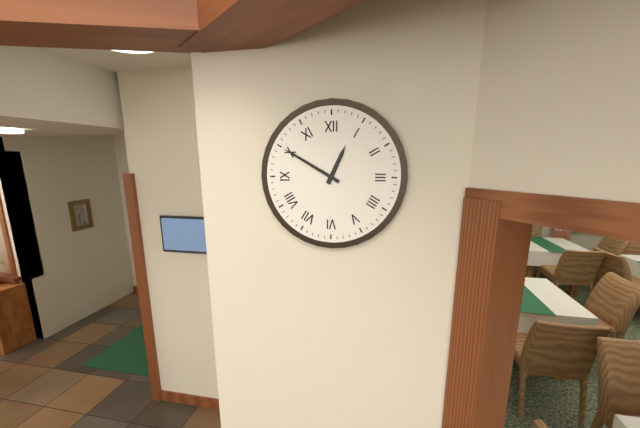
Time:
12.50
